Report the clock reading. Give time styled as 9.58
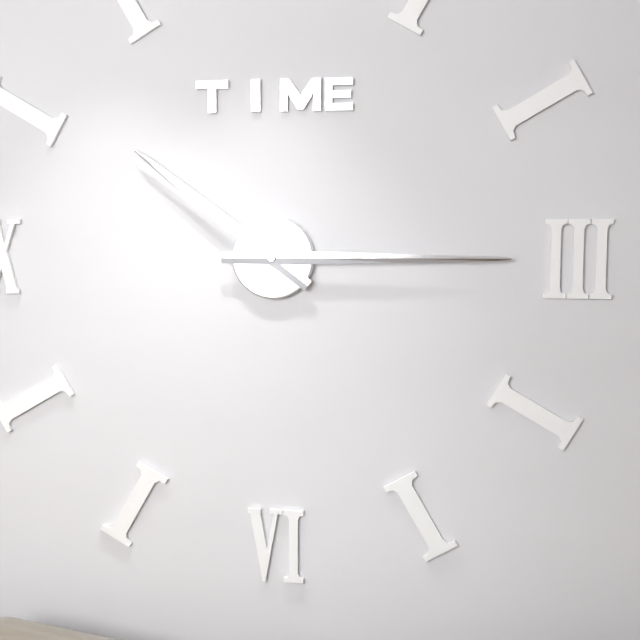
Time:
10.15
